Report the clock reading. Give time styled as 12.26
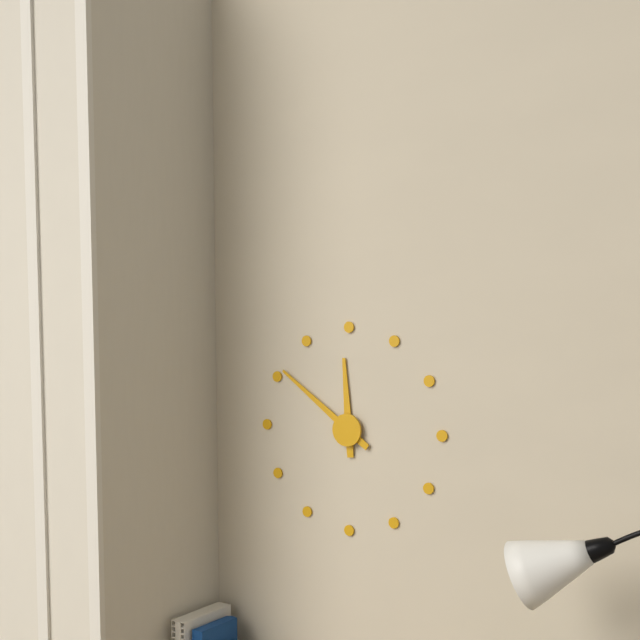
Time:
11.51
